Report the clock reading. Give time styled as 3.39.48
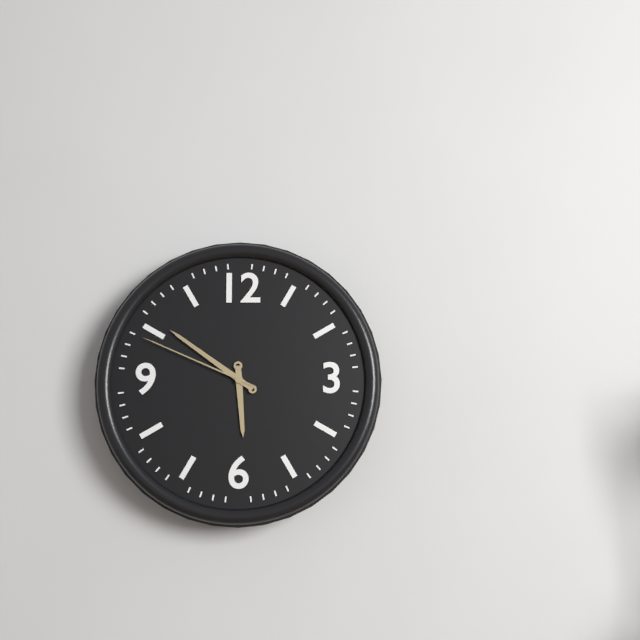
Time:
5.51.49
